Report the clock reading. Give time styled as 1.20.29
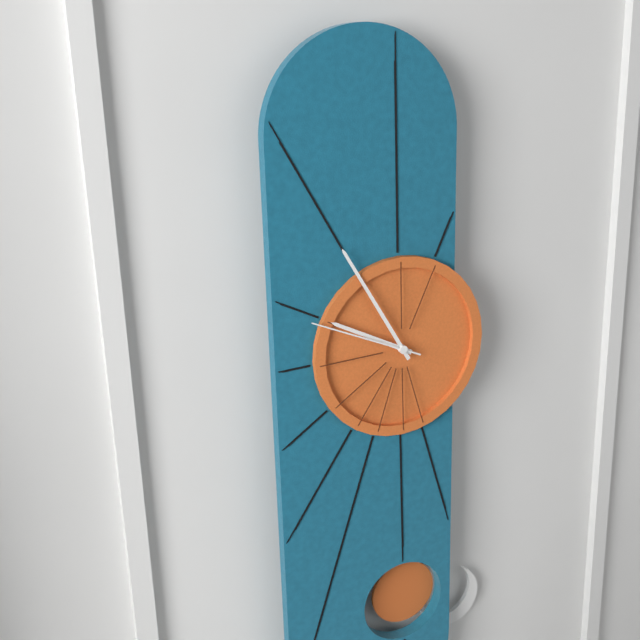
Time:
9.55.49
